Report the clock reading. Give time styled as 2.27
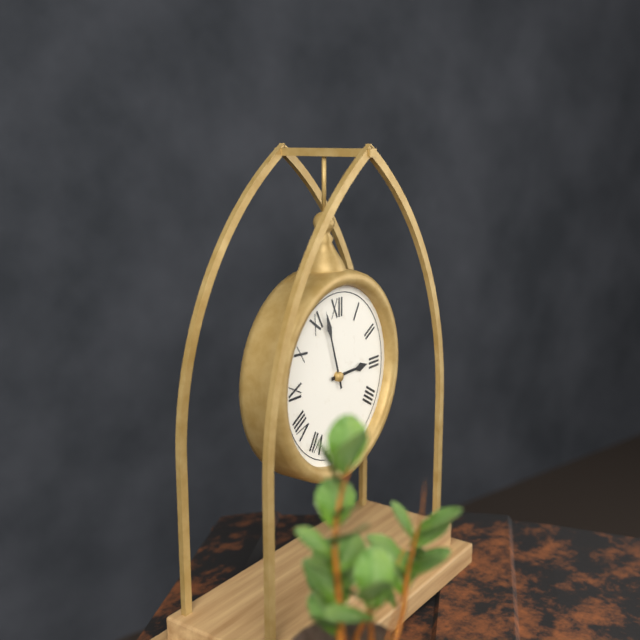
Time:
2.57
